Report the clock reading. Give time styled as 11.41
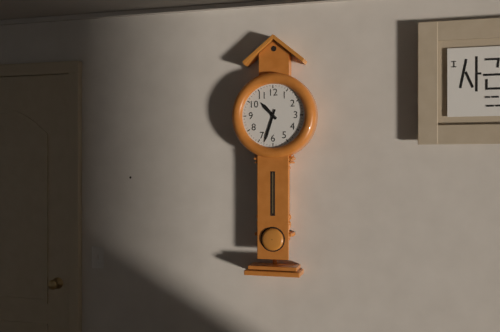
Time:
10.33
